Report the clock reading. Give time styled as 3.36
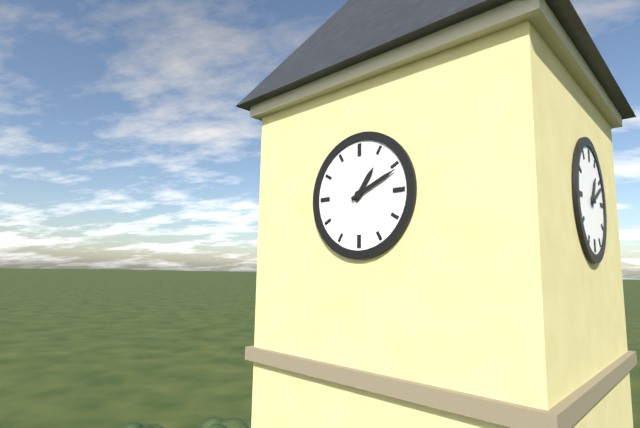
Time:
1.11
